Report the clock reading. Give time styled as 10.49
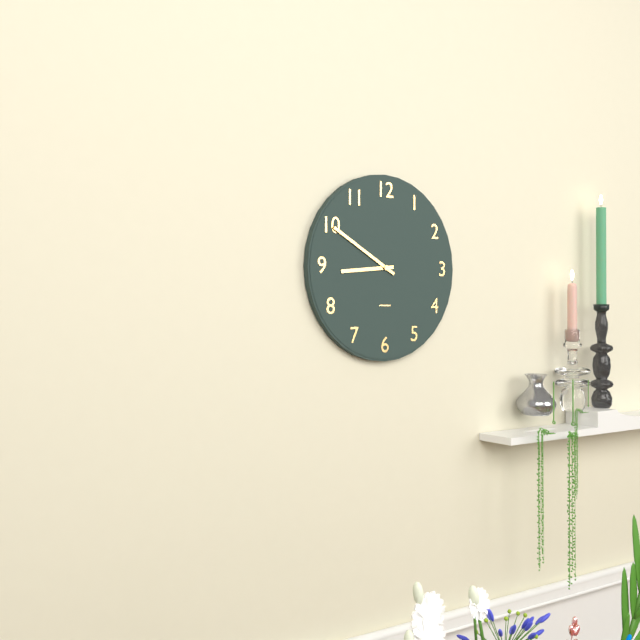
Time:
8.50
